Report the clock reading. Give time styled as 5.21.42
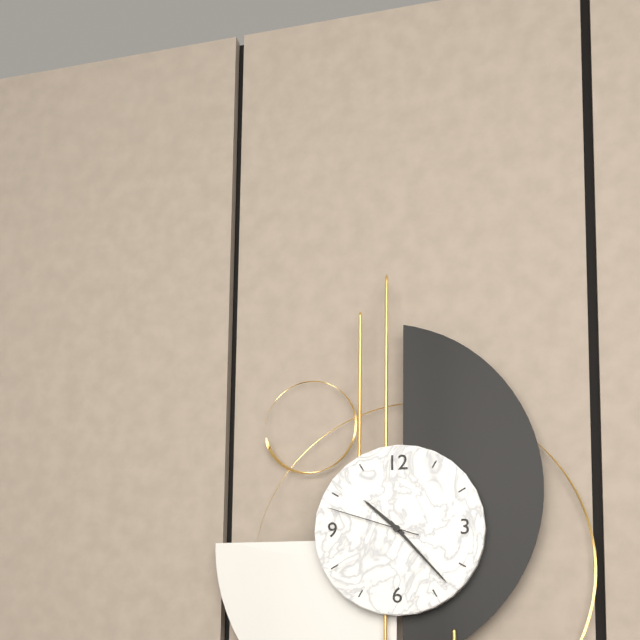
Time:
10.23.48
